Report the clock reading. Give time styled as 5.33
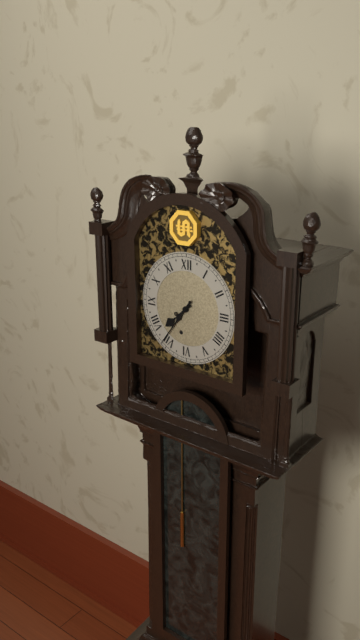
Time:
7.36
